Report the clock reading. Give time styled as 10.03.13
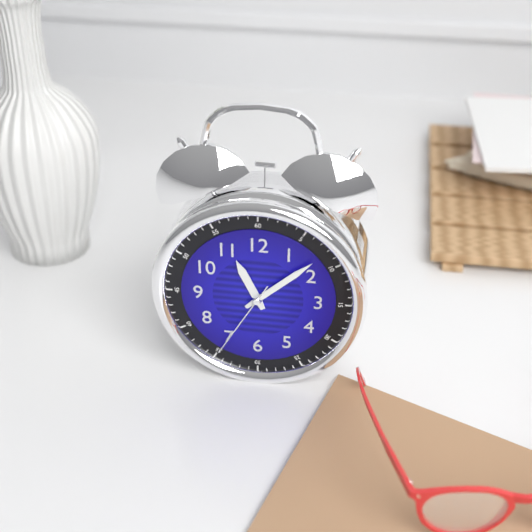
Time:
11.08.35
